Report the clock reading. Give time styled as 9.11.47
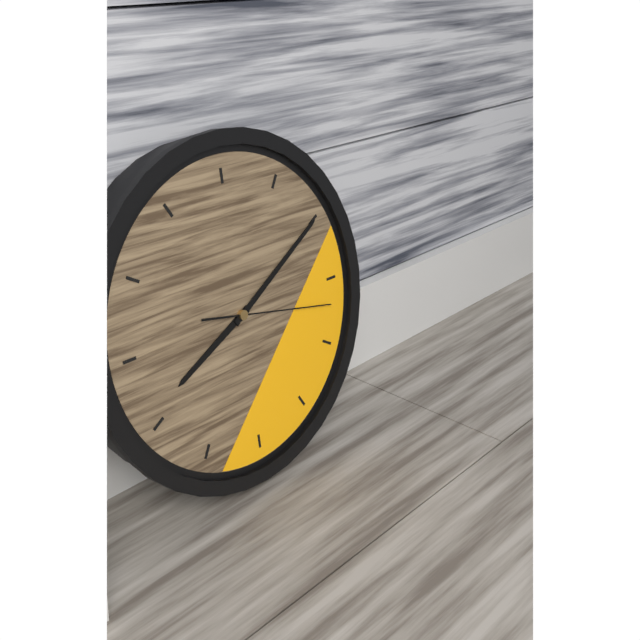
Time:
8.10.17
